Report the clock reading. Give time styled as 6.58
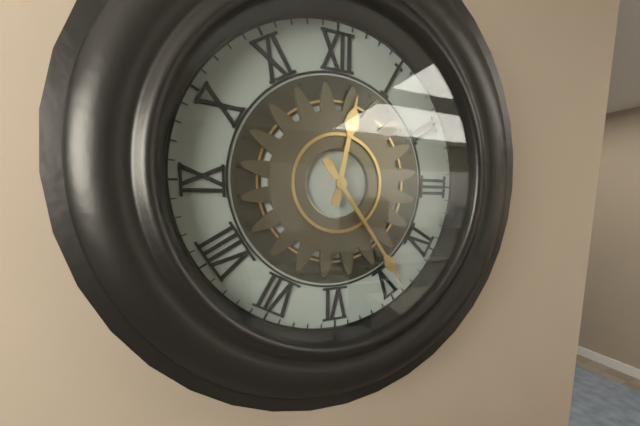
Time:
12.24
